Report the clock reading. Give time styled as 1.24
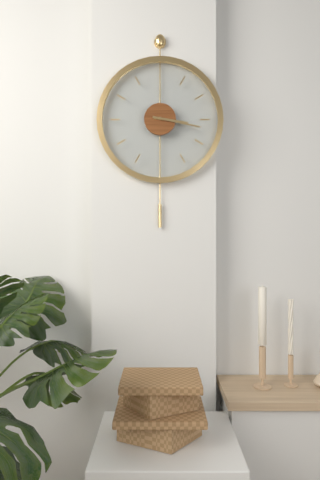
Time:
3.17
